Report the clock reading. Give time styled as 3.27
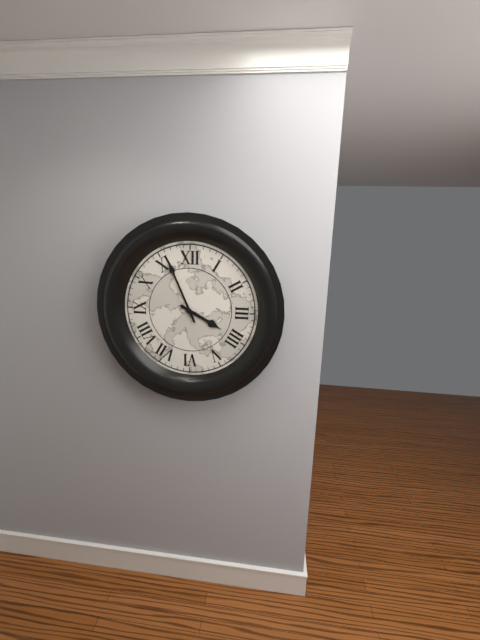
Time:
3.56
